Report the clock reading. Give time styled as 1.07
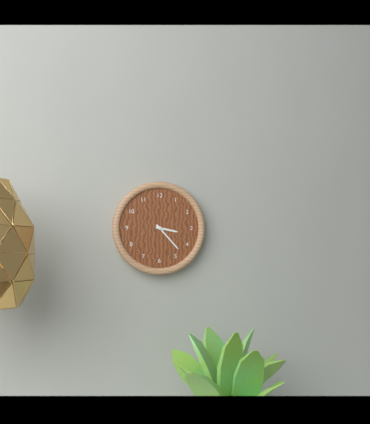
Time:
3.23
